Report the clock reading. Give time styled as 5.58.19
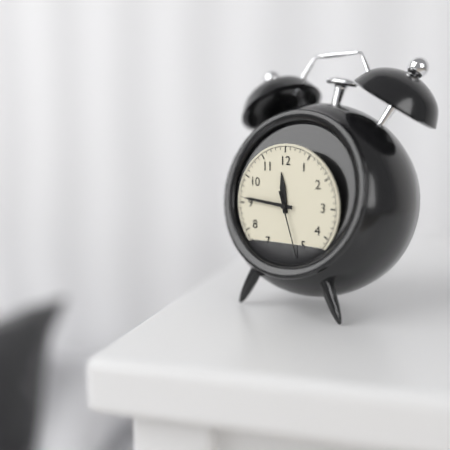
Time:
11.46.27
